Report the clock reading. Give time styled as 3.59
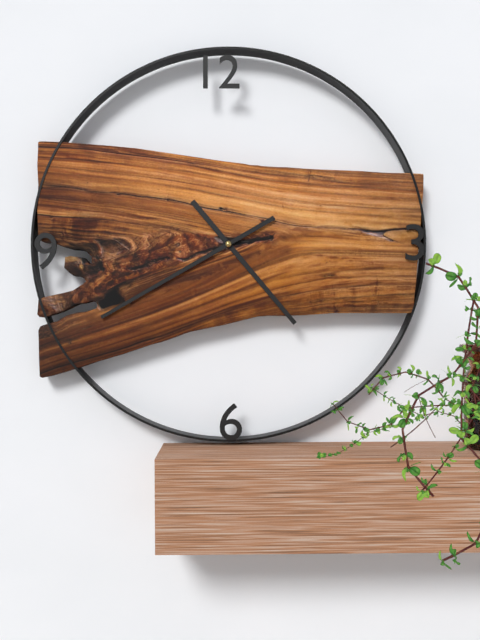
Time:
4.40
